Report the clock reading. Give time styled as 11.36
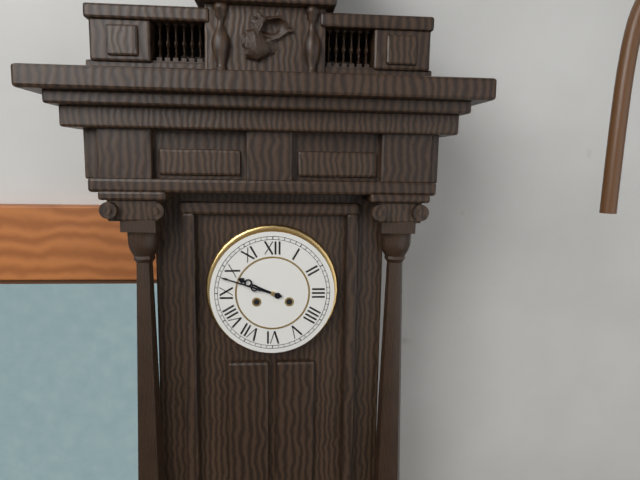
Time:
9.48
